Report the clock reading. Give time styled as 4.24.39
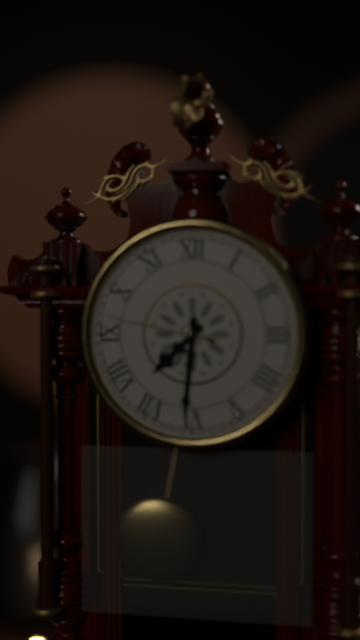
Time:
7.31.47
